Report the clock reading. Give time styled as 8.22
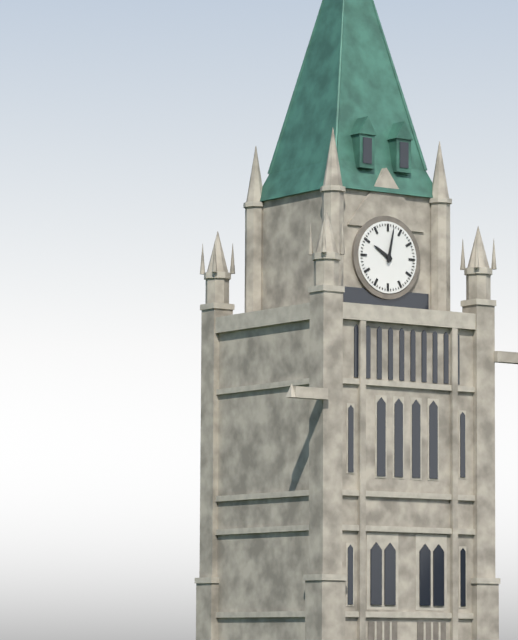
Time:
10.02
